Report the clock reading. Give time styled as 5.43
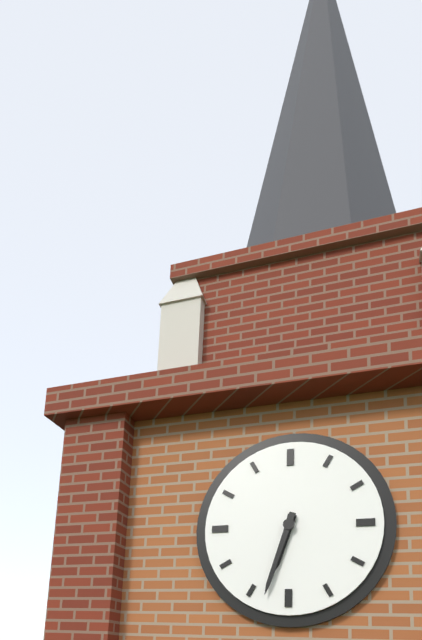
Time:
6.33
